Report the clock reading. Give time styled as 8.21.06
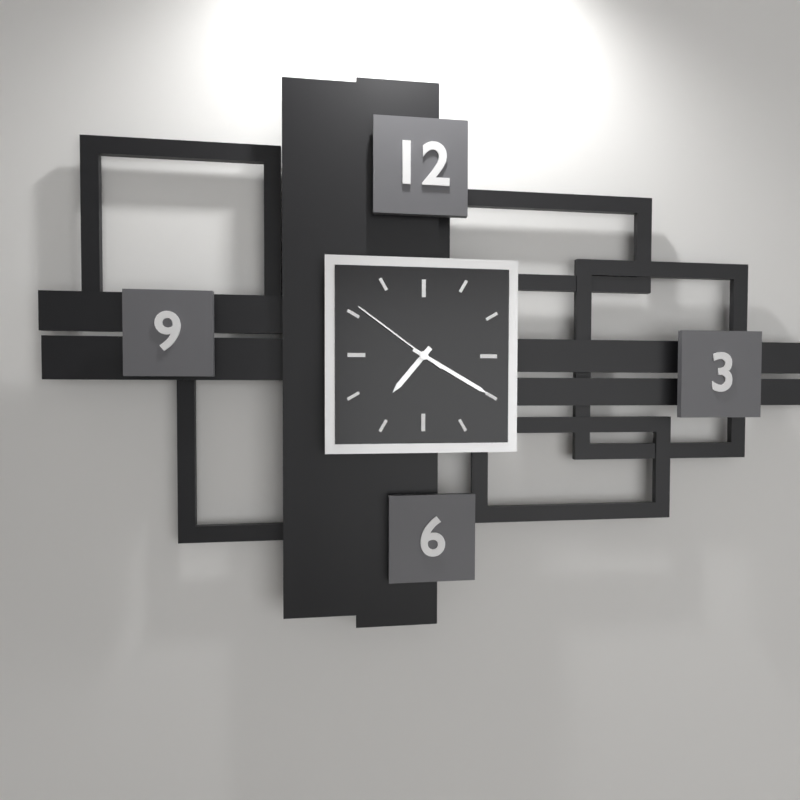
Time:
7.20.51
